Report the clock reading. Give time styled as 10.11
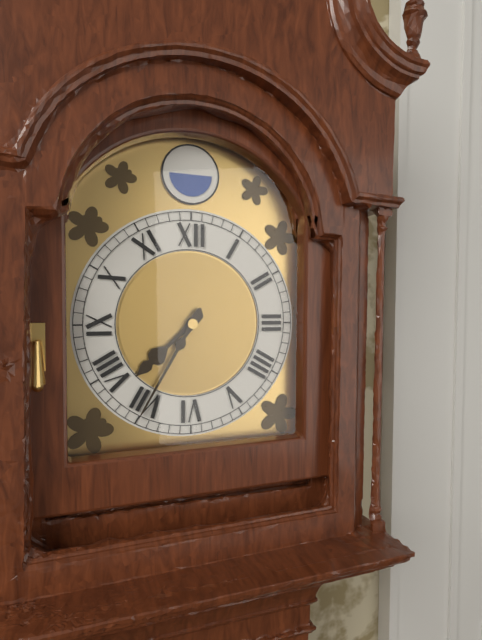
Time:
7.35
